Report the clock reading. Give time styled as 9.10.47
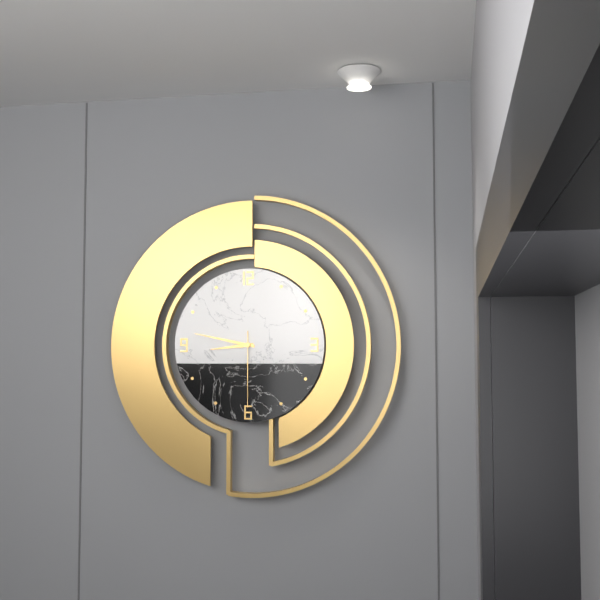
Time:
8.47.30
